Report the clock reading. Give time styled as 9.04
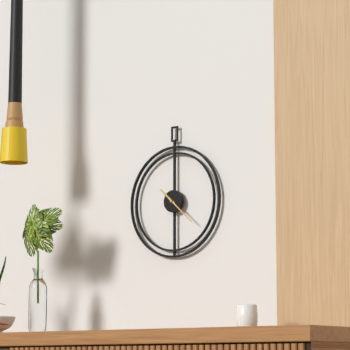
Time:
10.22
